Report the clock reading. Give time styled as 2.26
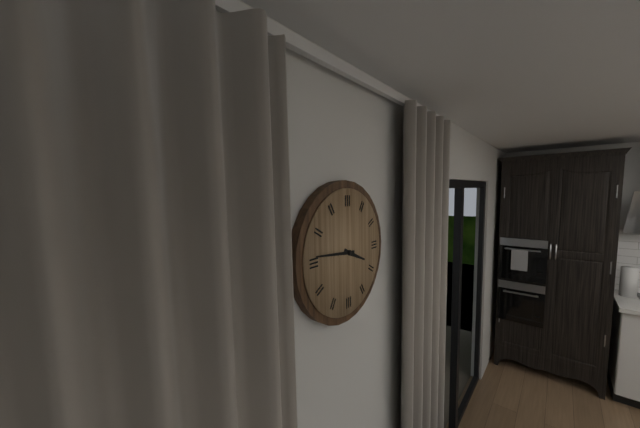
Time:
3.46
